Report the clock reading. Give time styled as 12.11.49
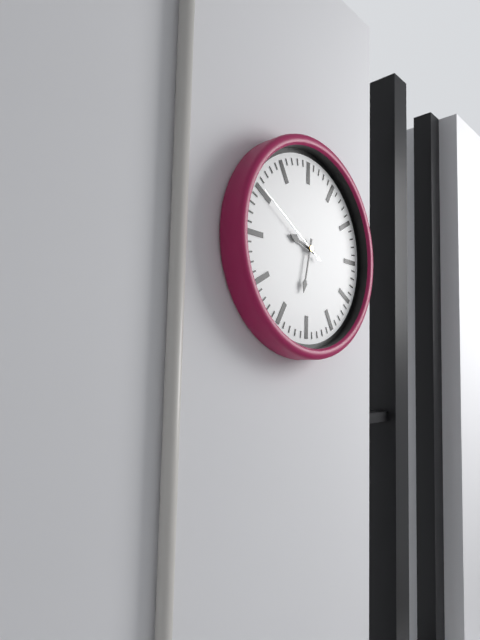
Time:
9.32.50
